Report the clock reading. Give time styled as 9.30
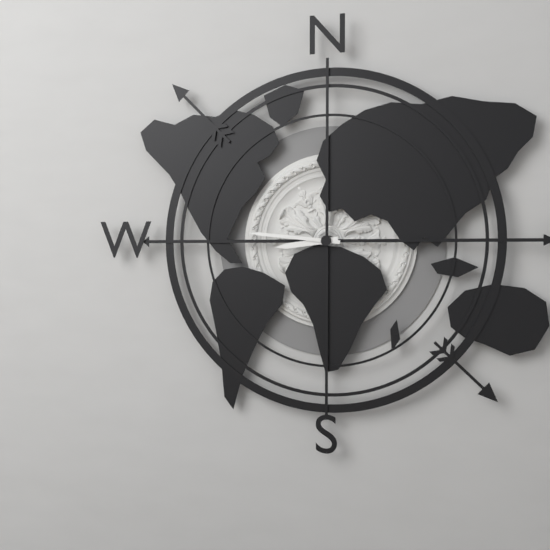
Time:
8.46
